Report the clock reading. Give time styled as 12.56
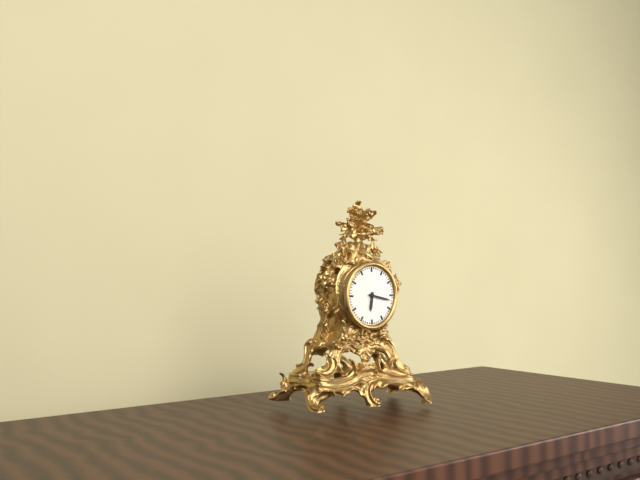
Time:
6.17
